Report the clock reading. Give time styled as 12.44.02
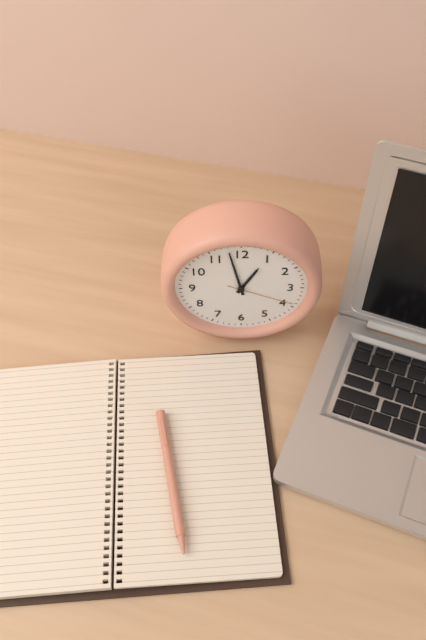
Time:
12.58.19
